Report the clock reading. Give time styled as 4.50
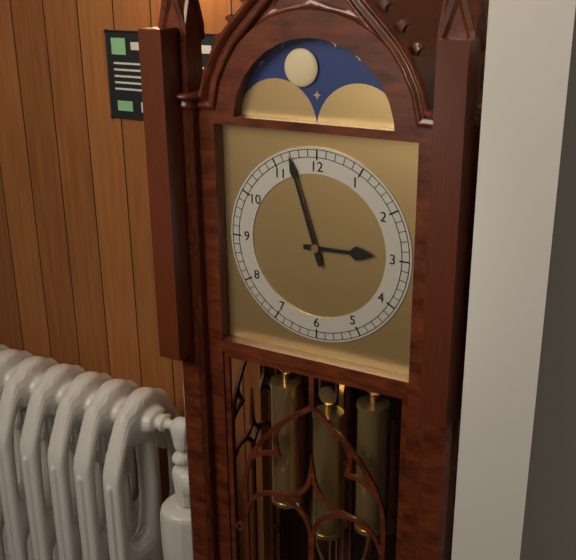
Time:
2.57
